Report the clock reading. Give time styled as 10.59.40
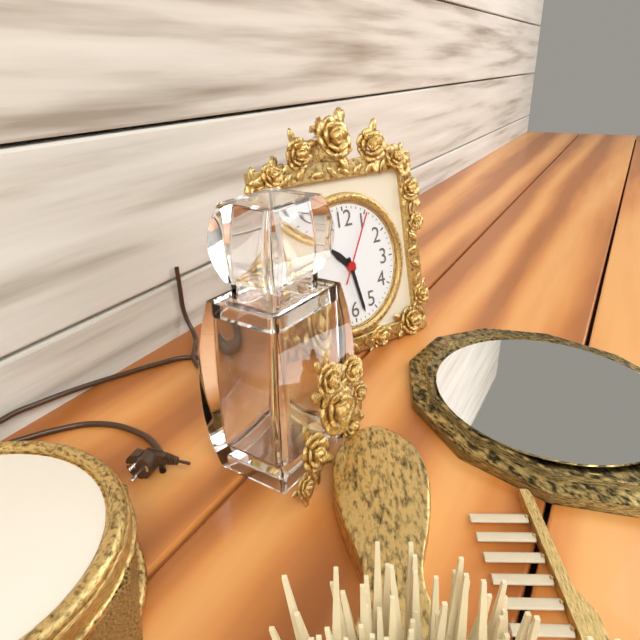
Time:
10.28.05
